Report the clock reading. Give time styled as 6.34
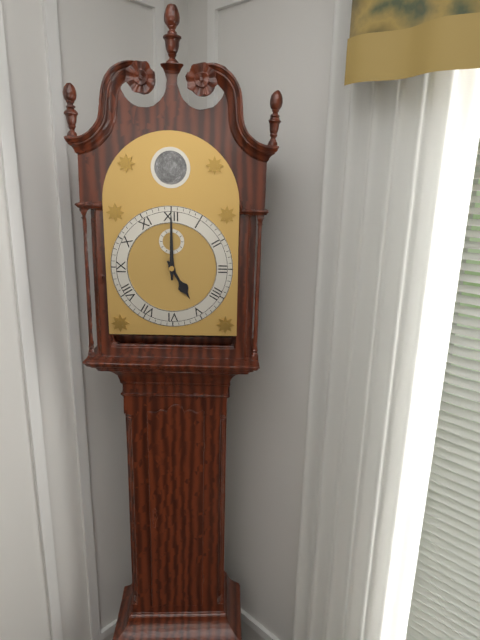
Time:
5.00
